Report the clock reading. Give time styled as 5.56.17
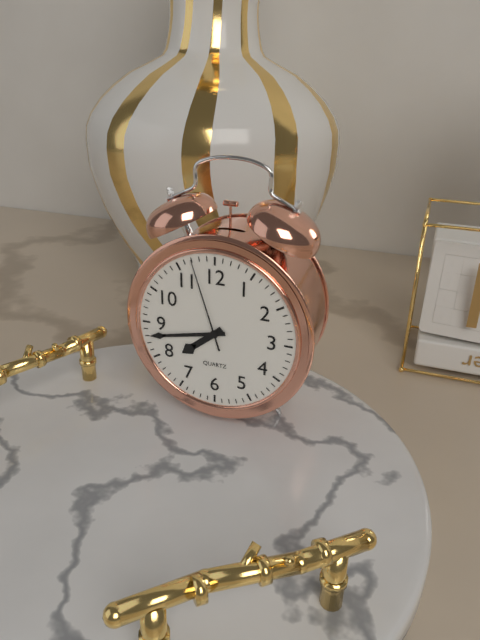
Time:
7.43.57
